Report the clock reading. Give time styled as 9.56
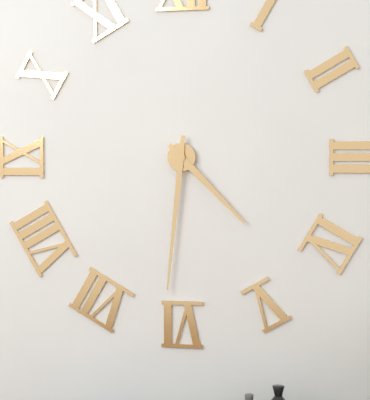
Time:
4.31
